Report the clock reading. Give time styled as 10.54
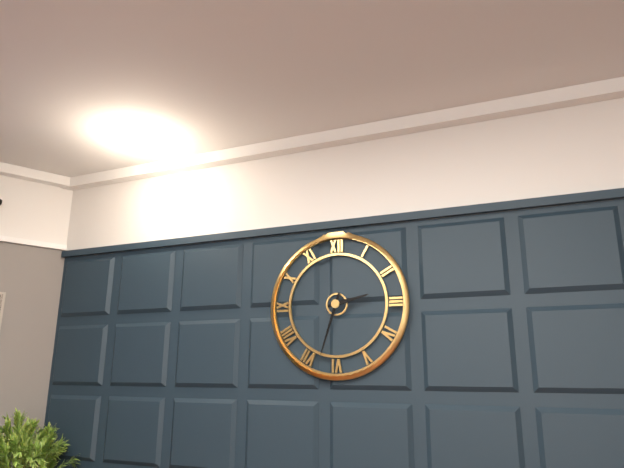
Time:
2.33
